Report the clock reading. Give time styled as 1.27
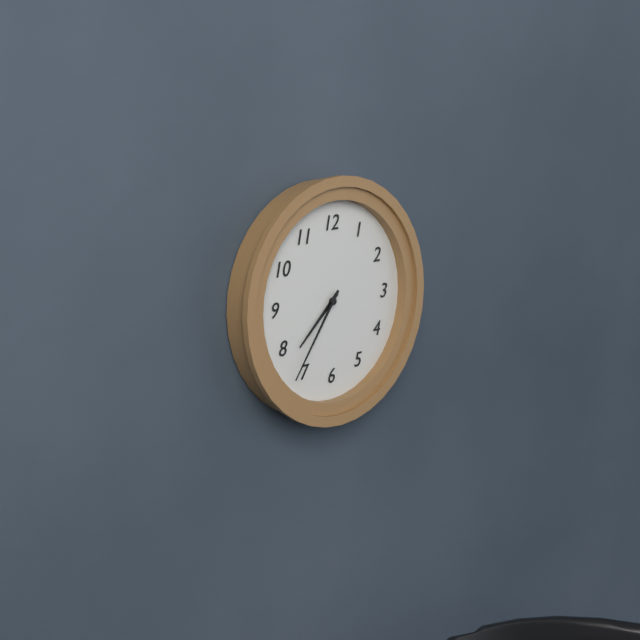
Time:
7.36
